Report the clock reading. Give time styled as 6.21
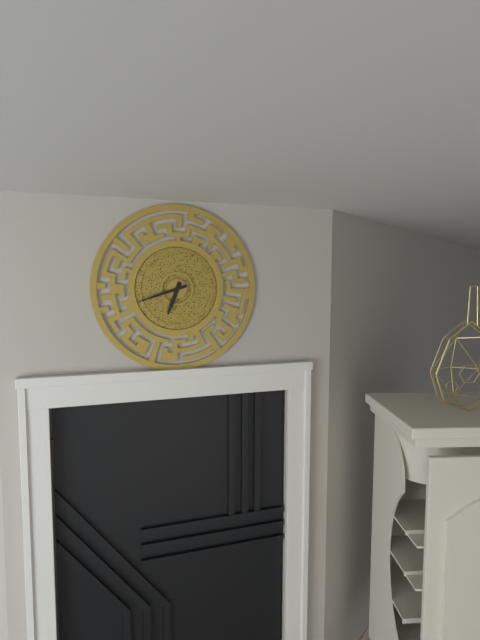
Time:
6.42
